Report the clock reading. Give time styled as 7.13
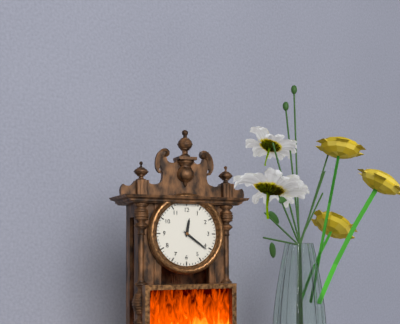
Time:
12.21
